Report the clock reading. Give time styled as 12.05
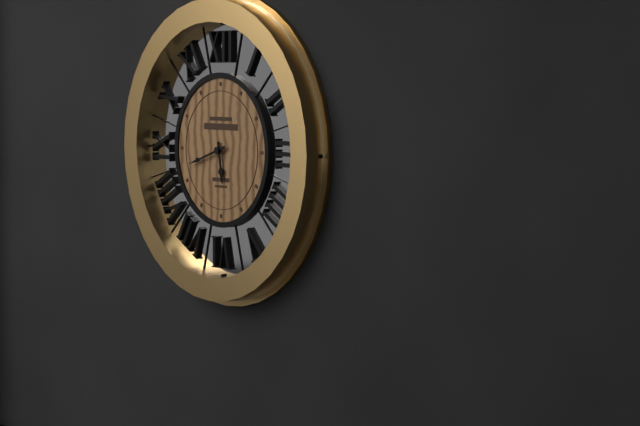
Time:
5.42
